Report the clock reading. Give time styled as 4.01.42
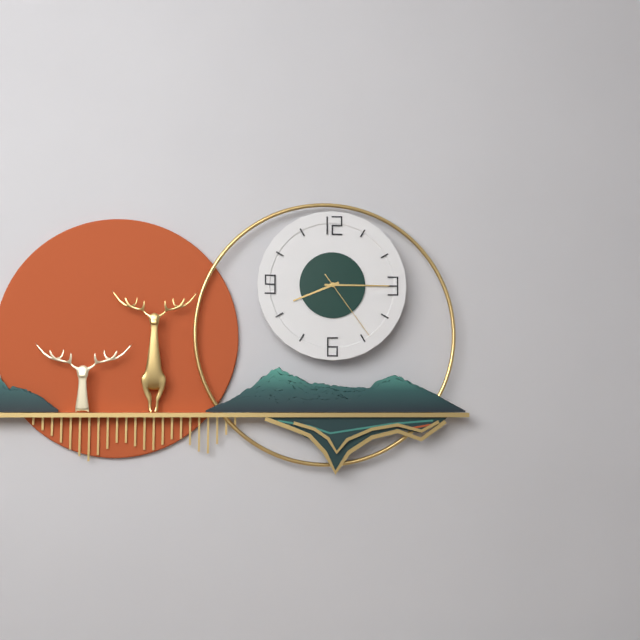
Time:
8.15.24
